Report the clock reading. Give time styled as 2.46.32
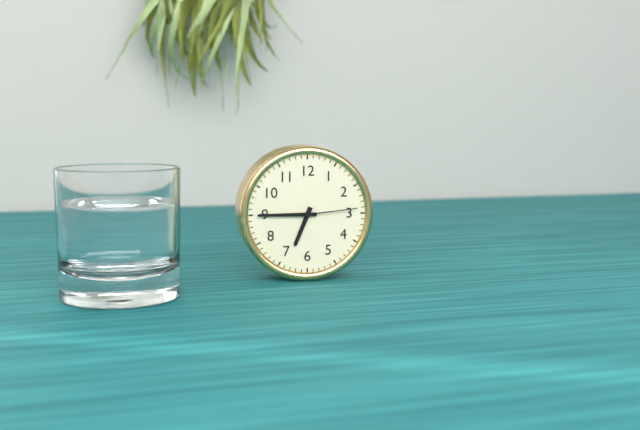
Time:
6.45.14
